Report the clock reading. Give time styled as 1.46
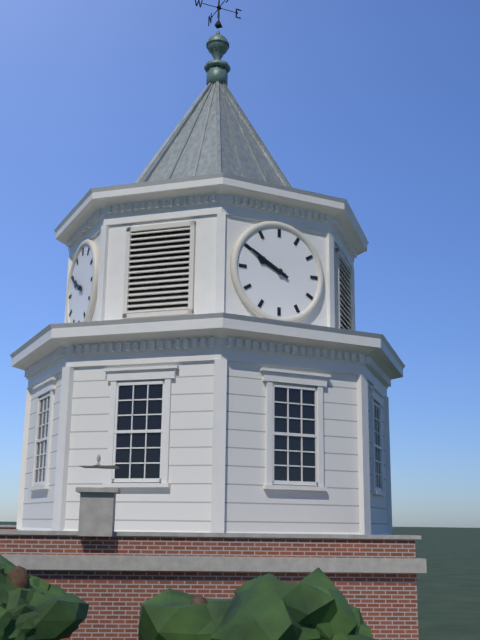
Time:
9.50
